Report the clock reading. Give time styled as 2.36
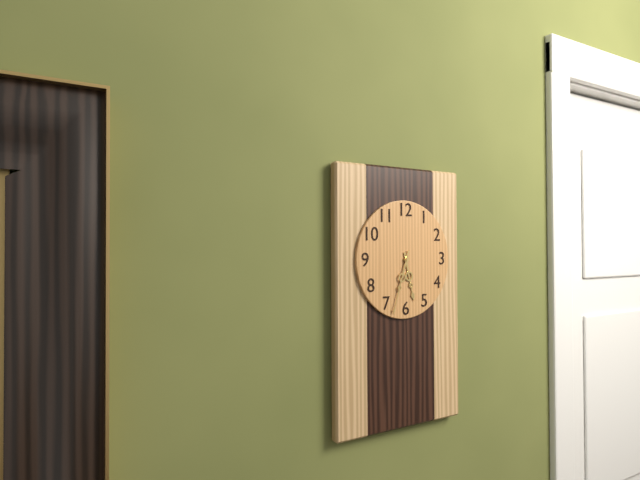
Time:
5.33
